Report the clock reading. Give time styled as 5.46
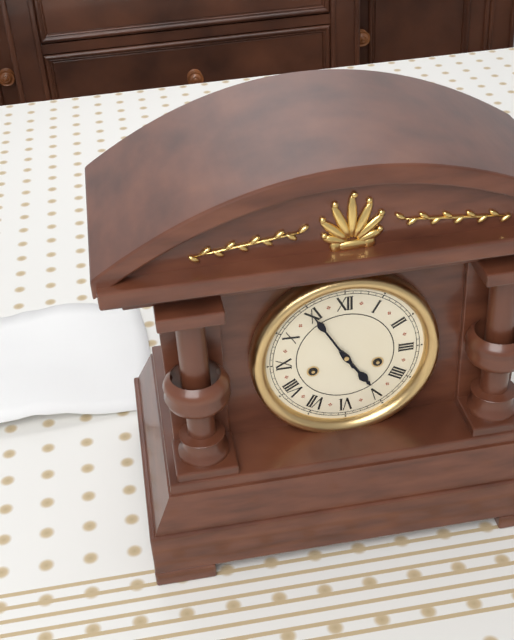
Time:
4.55
